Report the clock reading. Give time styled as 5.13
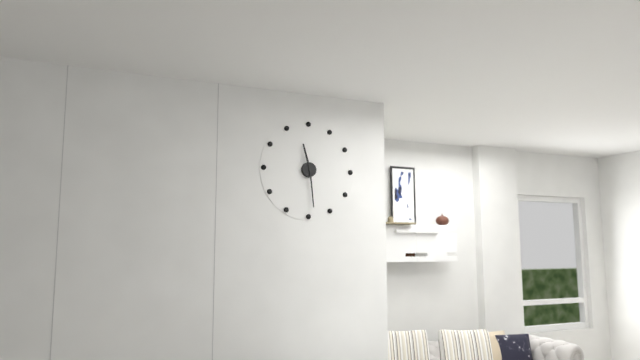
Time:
11.29
